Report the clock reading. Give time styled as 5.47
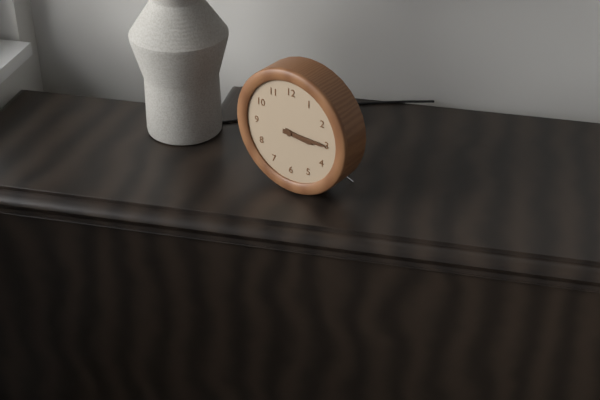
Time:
3.15
